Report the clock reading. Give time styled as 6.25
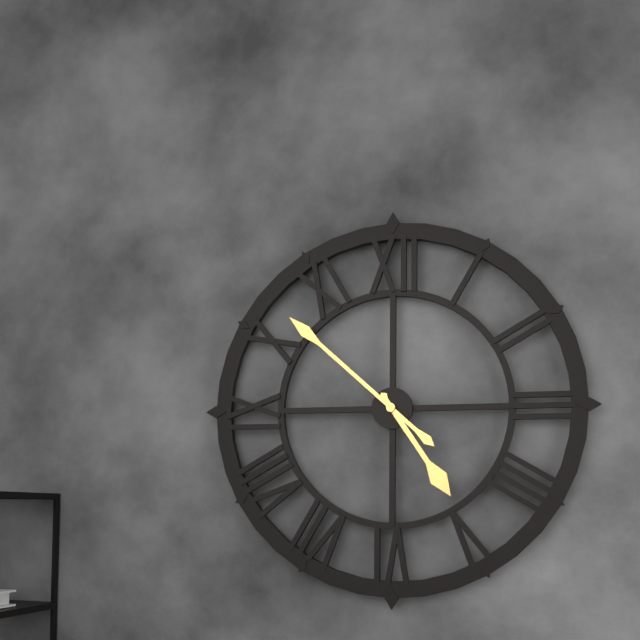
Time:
4.52
